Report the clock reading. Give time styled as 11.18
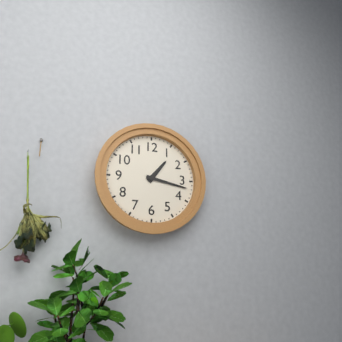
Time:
1.17
